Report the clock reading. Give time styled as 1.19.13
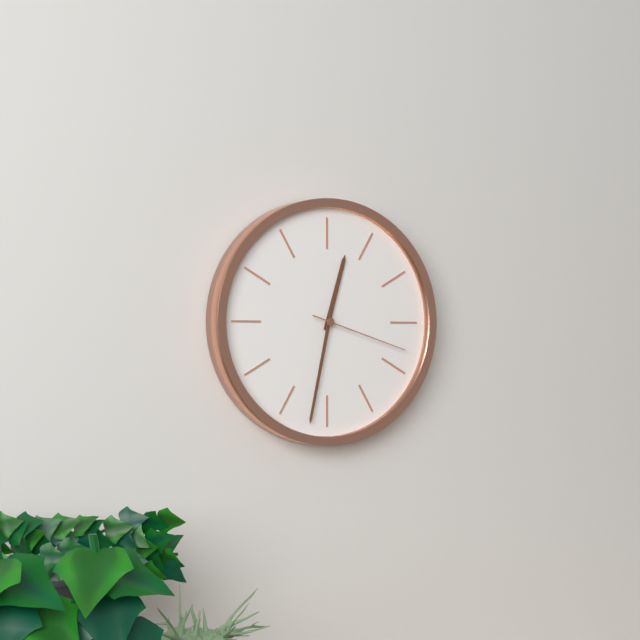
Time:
12.32.18
